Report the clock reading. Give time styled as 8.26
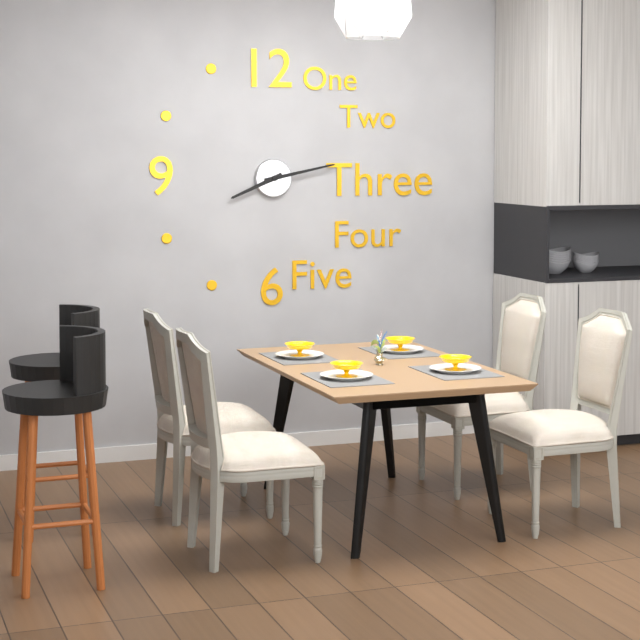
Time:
8.13
